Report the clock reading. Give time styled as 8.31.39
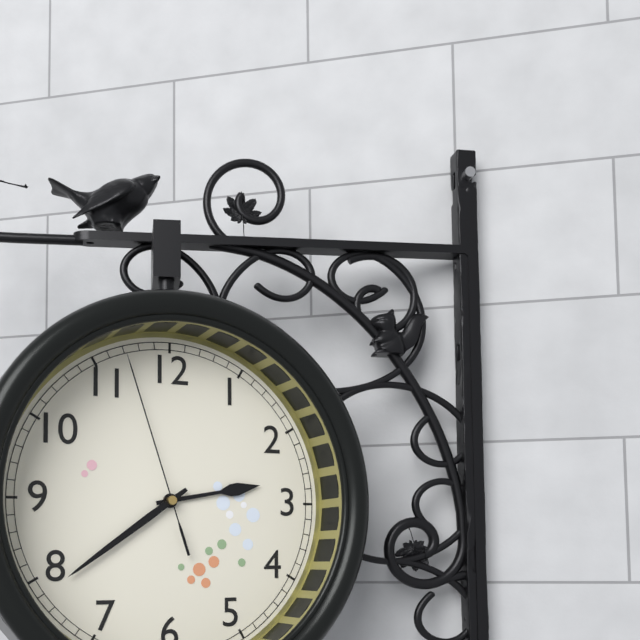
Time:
2.39.57
